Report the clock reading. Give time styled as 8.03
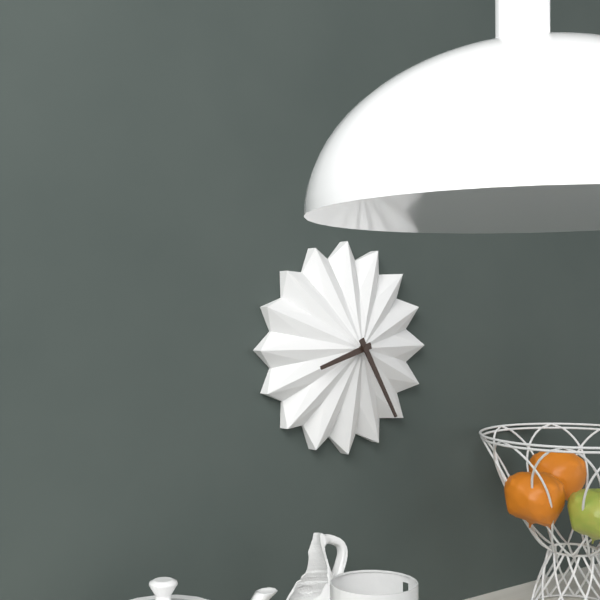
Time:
8.25
